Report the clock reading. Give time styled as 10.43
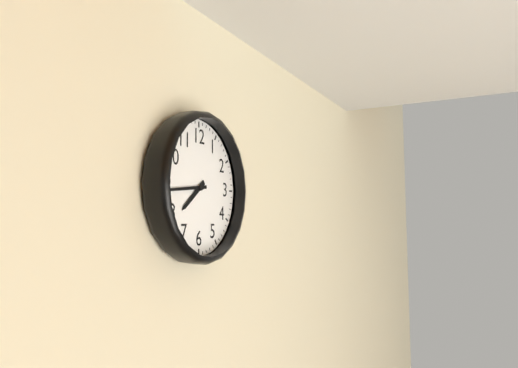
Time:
7.44
